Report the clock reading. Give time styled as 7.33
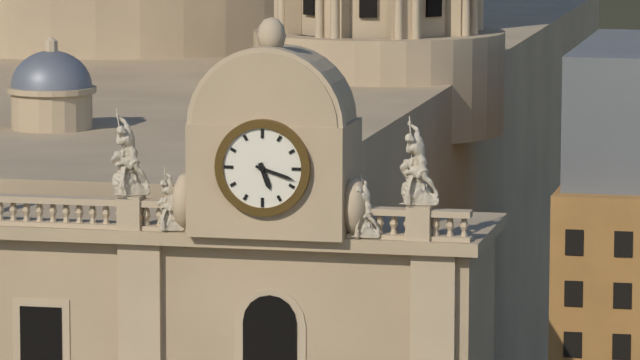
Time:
5.18
